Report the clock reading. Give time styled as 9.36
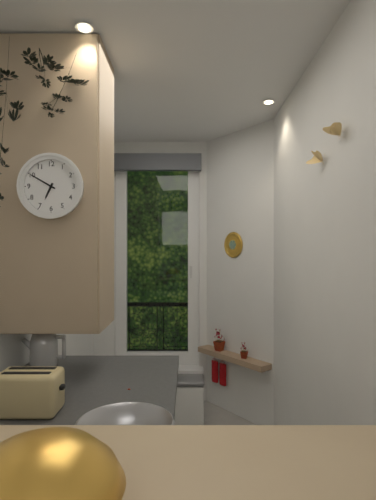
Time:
6.50
